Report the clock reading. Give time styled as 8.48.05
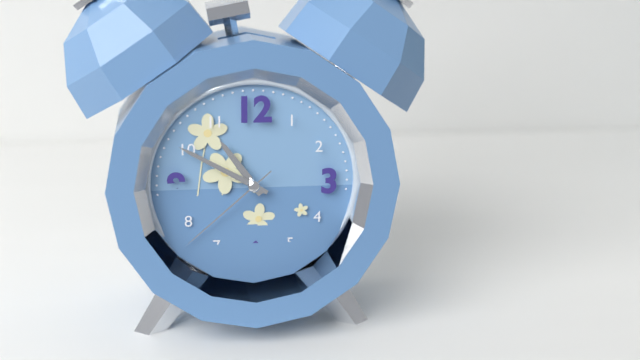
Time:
10.50.38
